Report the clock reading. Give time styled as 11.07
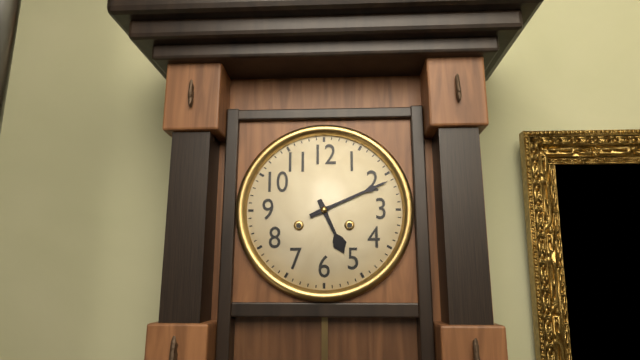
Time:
5.11
